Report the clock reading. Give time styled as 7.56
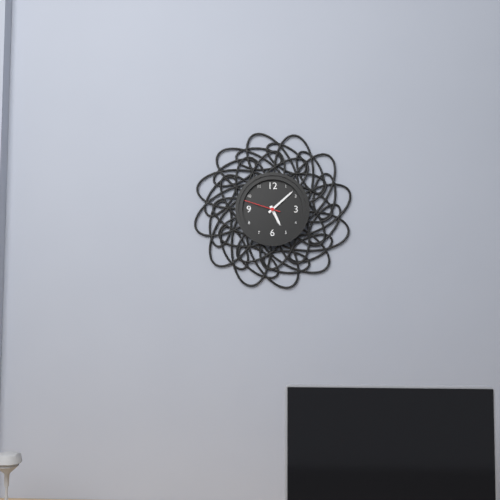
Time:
5.08
